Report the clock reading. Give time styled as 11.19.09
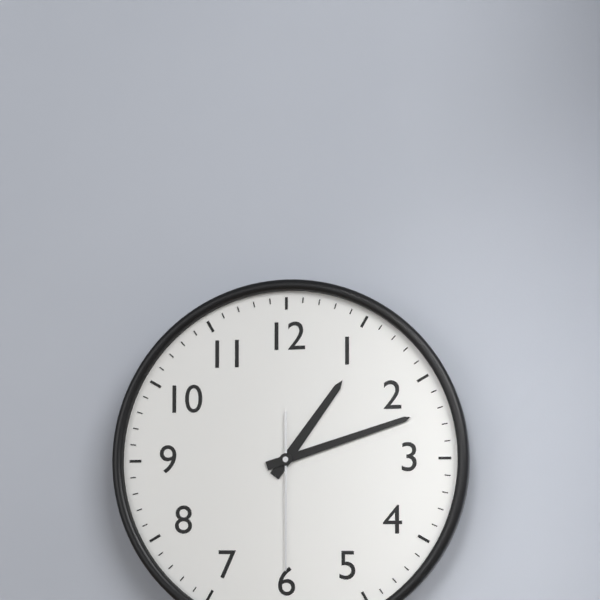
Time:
1.12.30
